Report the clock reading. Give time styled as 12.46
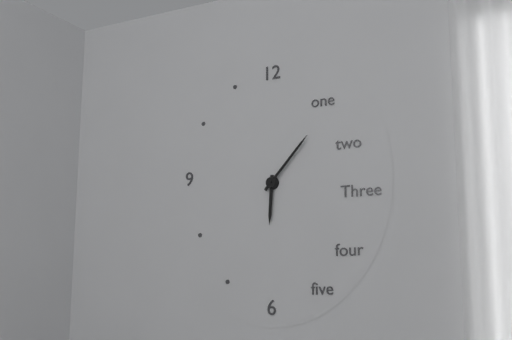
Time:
6.07
